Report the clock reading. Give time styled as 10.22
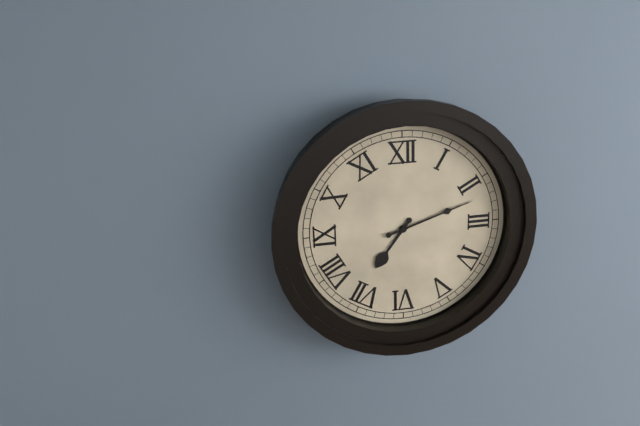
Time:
7.12
